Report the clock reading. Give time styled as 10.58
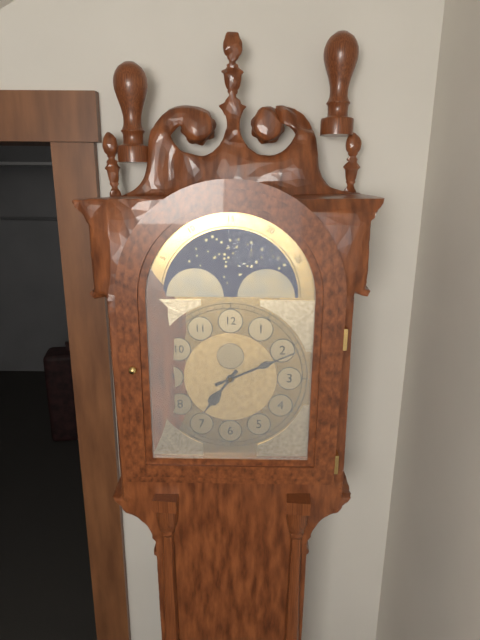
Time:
7.11
